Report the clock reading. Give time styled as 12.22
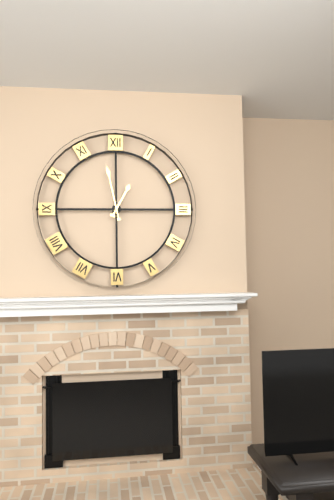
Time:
12.58
